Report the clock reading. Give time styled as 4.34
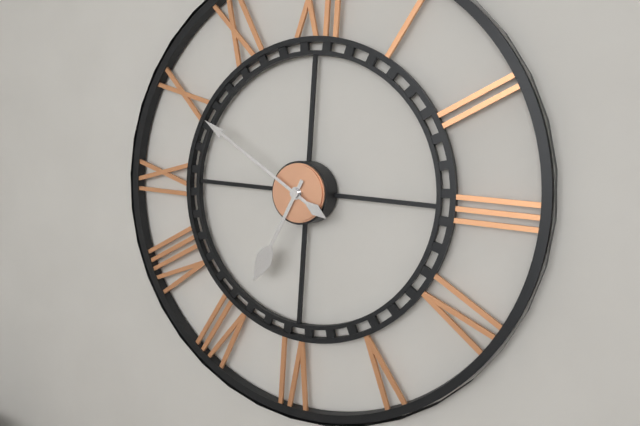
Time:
6.50
